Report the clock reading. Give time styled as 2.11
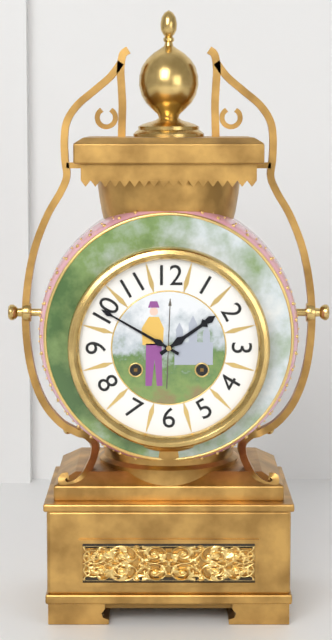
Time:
1.50
